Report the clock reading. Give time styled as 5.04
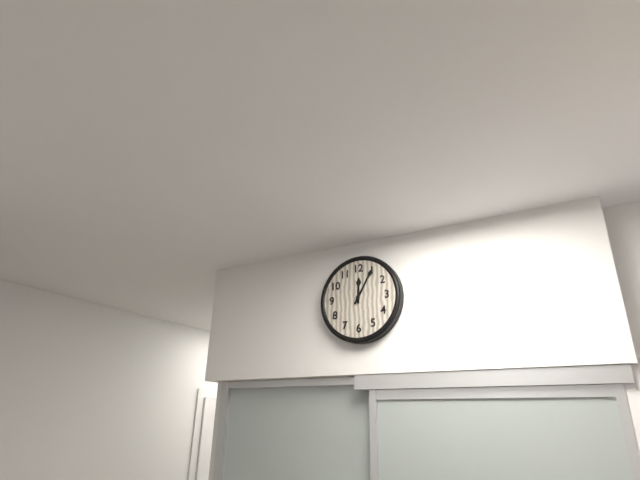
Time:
12.05
